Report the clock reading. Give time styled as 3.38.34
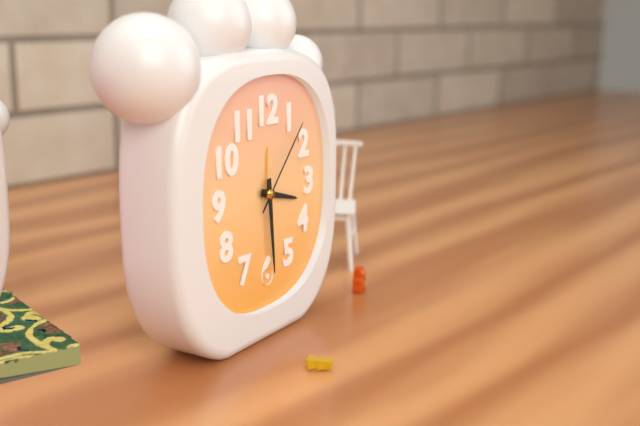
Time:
3.29.07
